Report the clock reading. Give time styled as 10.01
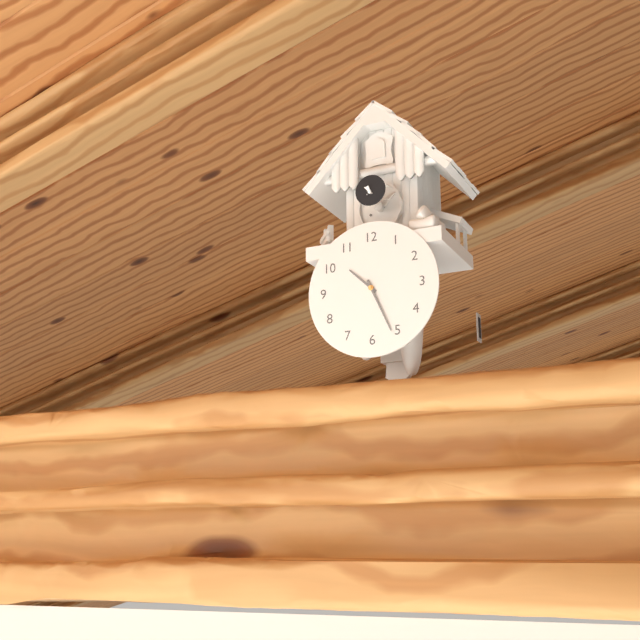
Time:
10.26
